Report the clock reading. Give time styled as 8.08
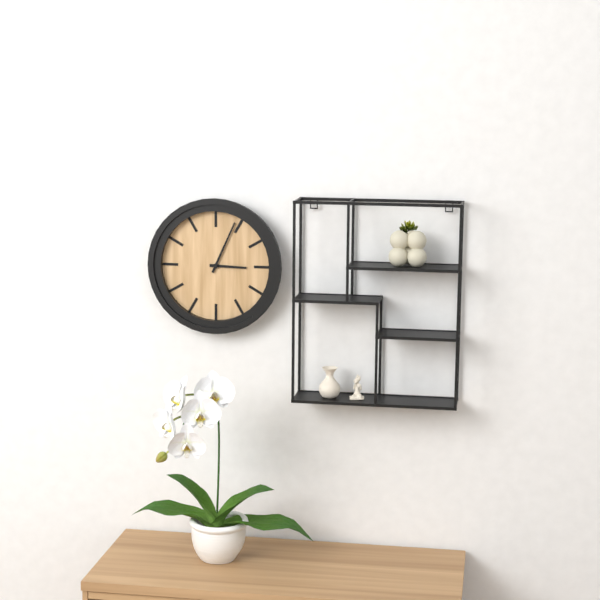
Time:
3.04
